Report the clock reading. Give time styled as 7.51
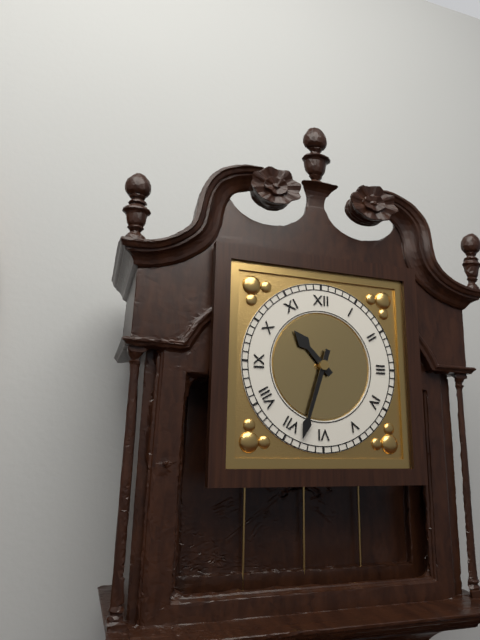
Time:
10.33
